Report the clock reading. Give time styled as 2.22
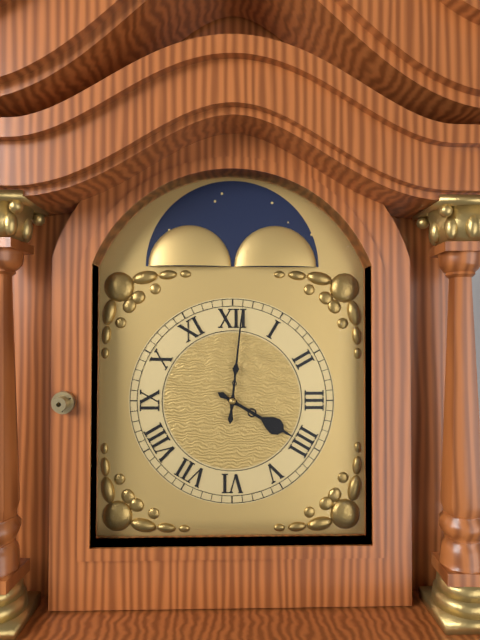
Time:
4.01
